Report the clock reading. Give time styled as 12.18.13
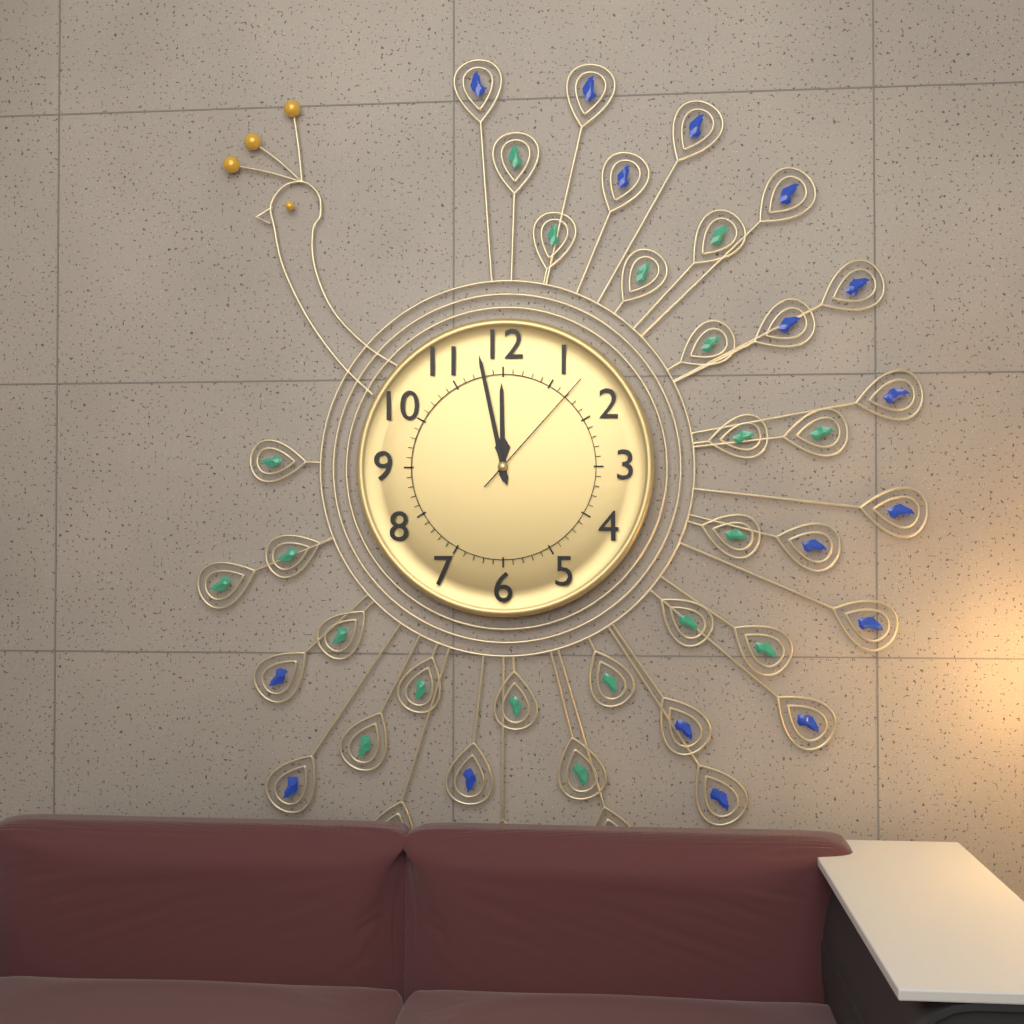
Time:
11.58.07
